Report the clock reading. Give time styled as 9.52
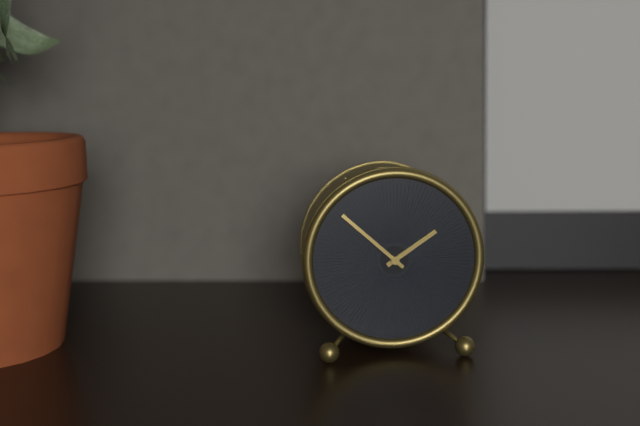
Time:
1.52
